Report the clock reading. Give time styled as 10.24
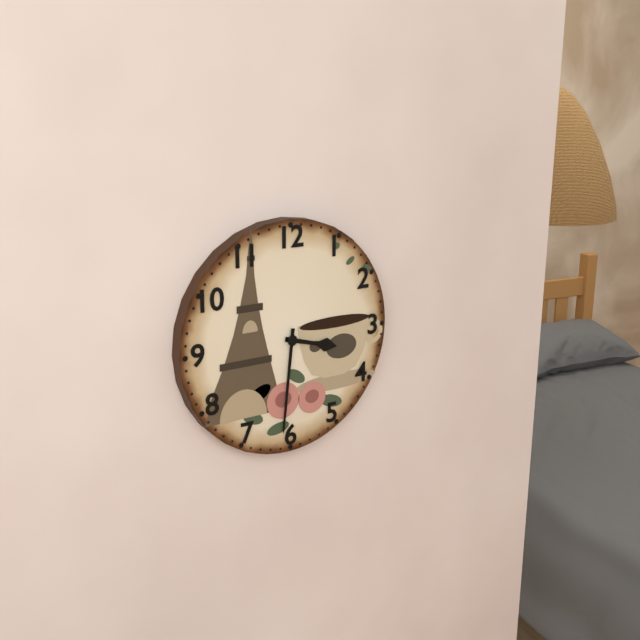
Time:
3.31
